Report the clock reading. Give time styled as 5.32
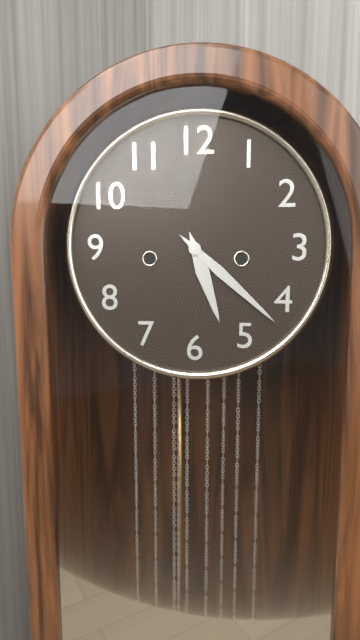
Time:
5.22
